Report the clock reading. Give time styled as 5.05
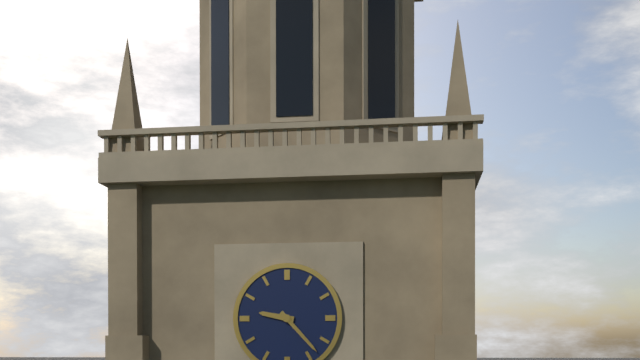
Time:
9.23
